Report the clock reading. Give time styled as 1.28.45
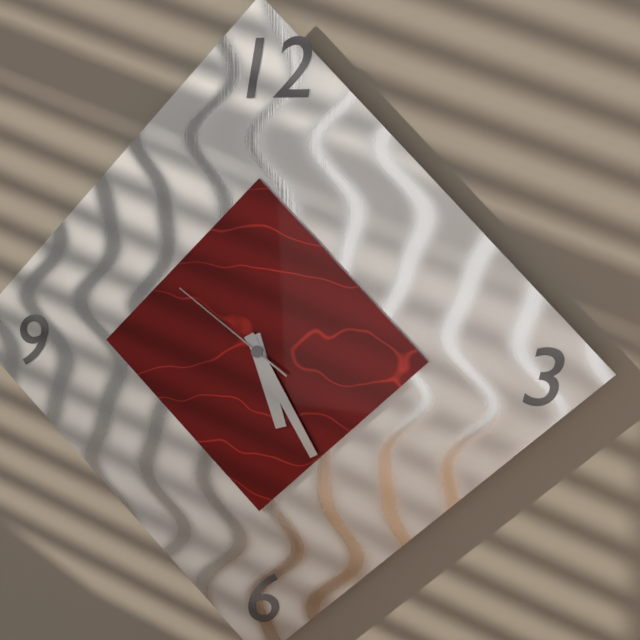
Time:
5.25.51
